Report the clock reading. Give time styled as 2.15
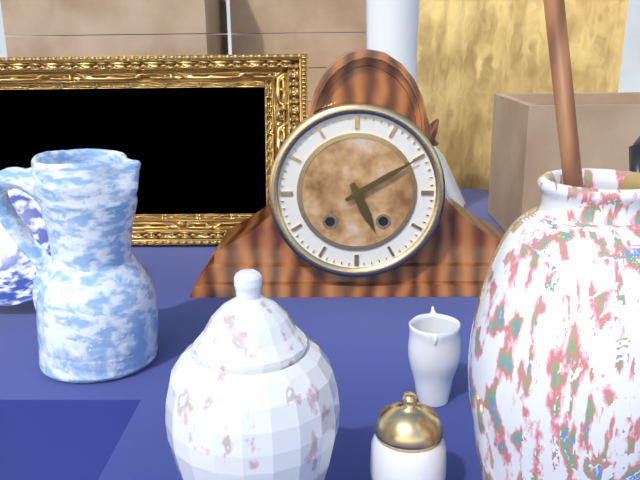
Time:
5.10
